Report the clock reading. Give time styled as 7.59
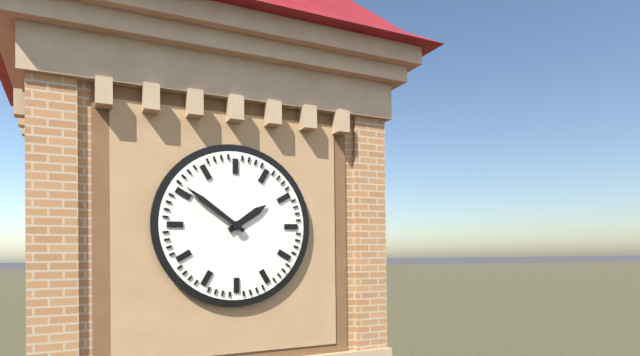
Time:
1.51
